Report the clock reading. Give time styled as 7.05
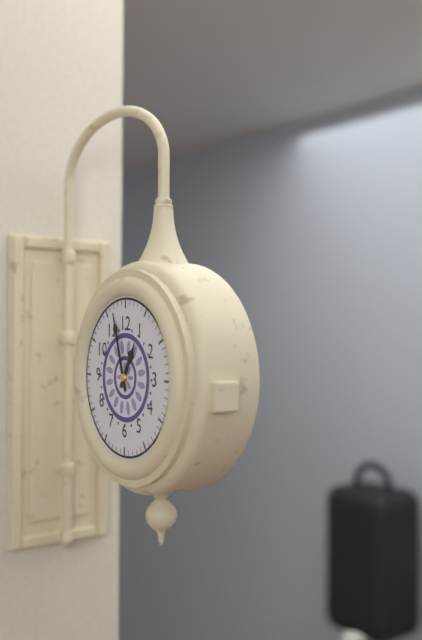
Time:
12.57
